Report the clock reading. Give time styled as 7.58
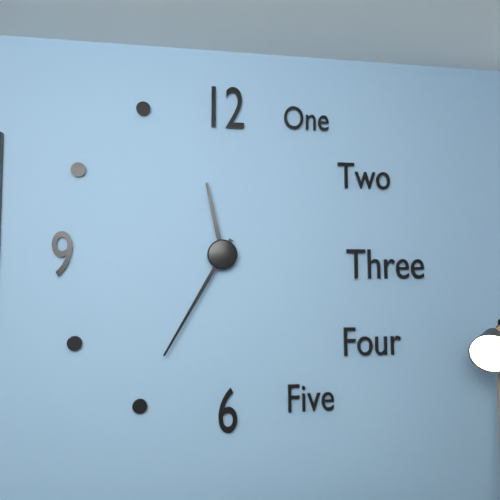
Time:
11.35
